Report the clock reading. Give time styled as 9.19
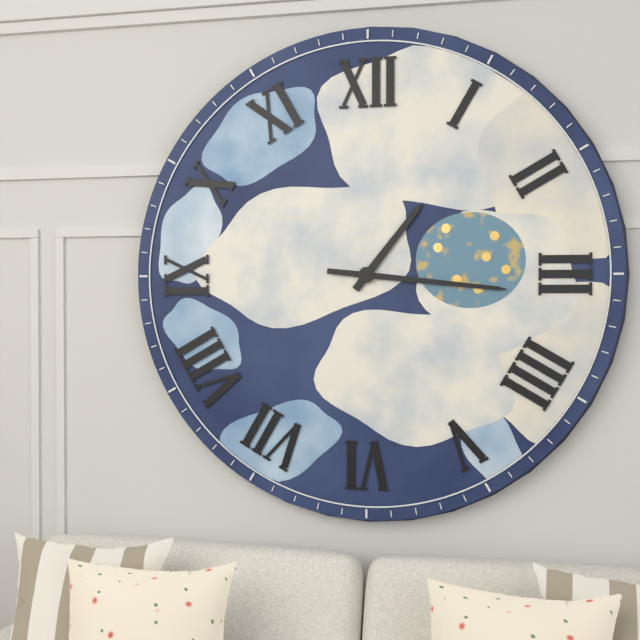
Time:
1.16
